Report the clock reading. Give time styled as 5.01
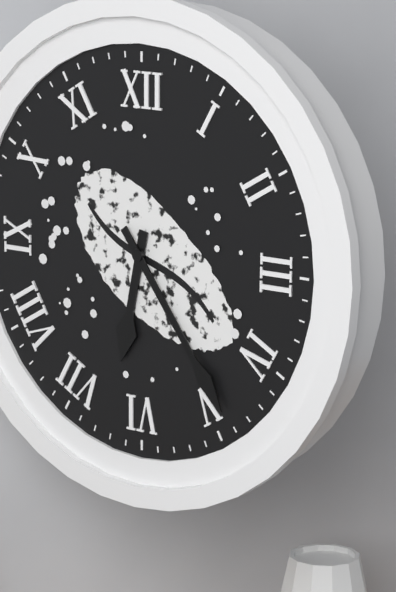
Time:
6.24
